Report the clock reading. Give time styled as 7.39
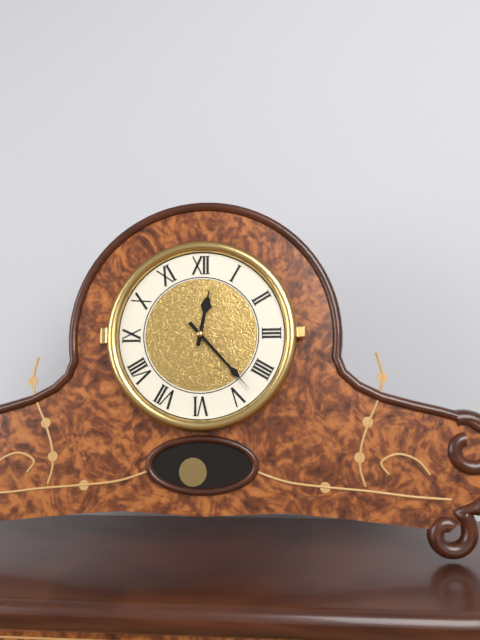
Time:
12.23
